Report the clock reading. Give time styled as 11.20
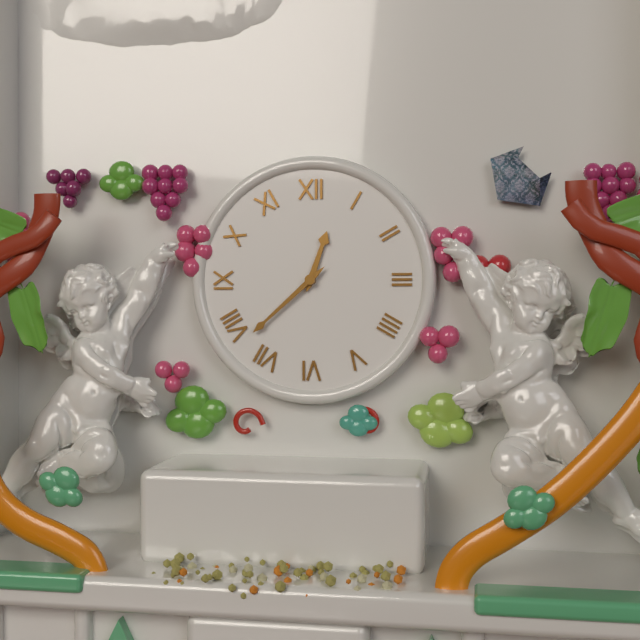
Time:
12.38
